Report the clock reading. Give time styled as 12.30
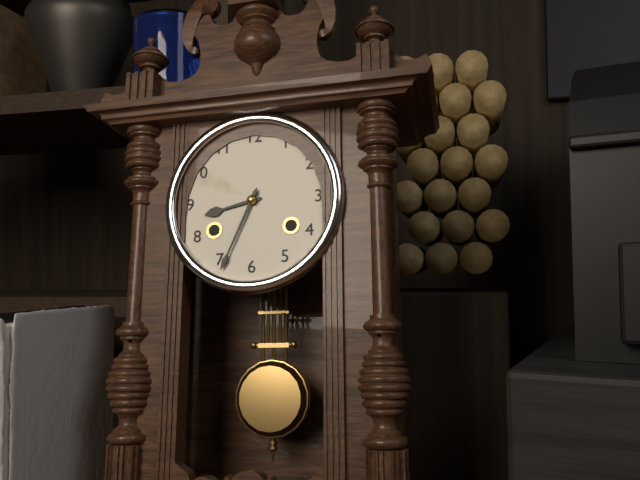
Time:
8.34
